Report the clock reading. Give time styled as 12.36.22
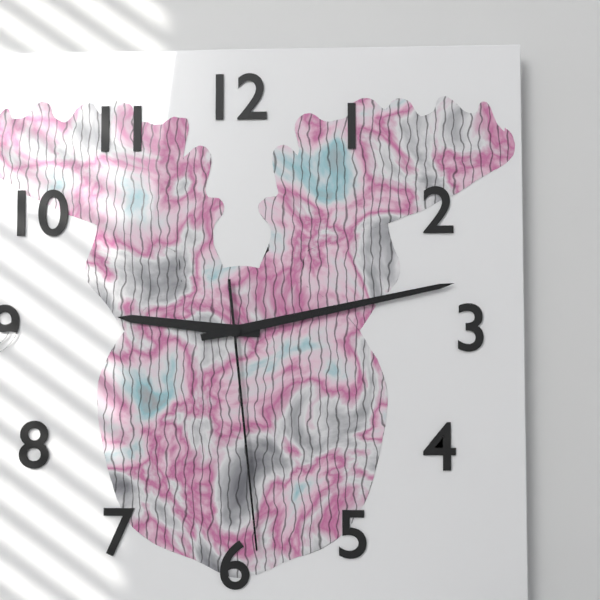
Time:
9.13.29
